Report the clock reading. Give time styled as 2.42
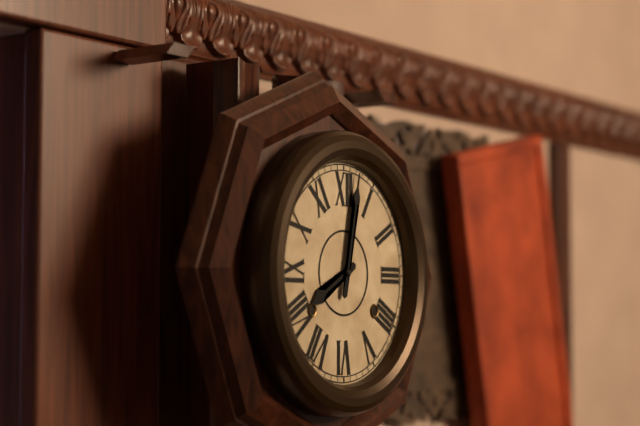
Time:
8.02
